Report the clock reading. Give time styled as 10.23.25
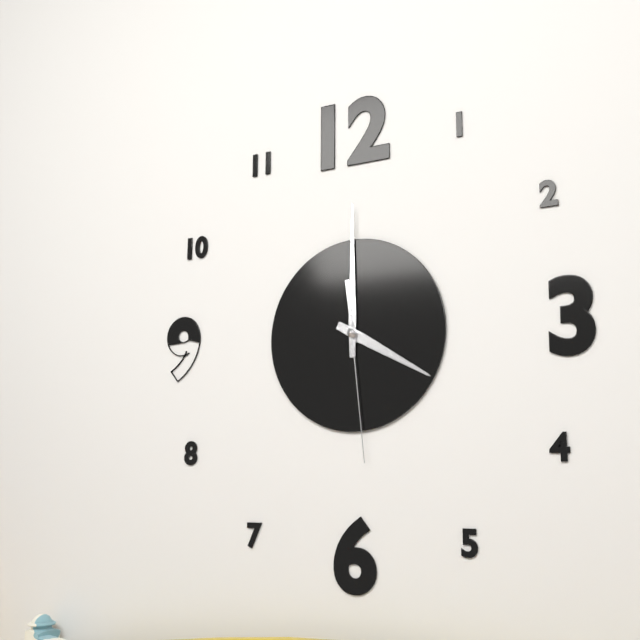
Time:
4.00.29
